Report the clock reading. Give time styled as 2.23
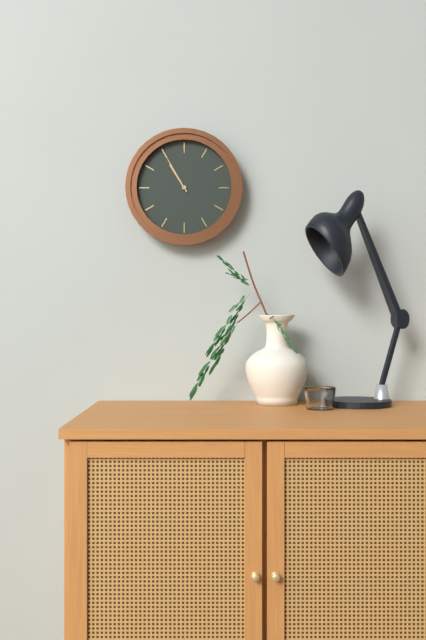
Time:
10.55
